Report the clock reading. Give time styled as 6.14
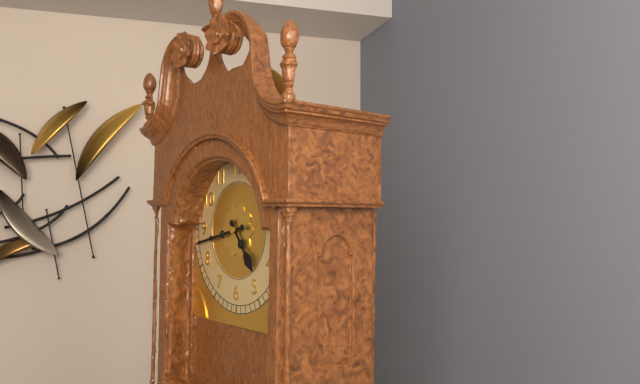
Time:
4.43
